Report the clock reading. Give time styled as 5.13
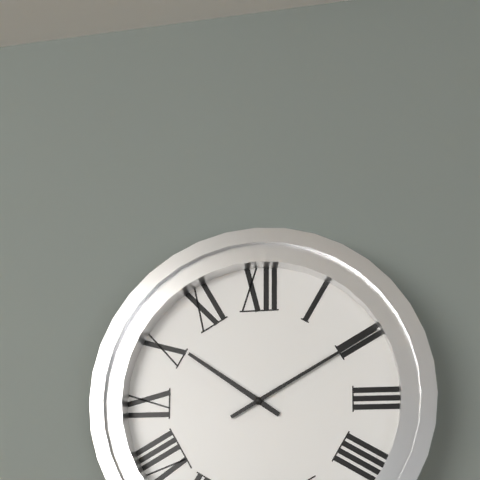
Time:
10.10
